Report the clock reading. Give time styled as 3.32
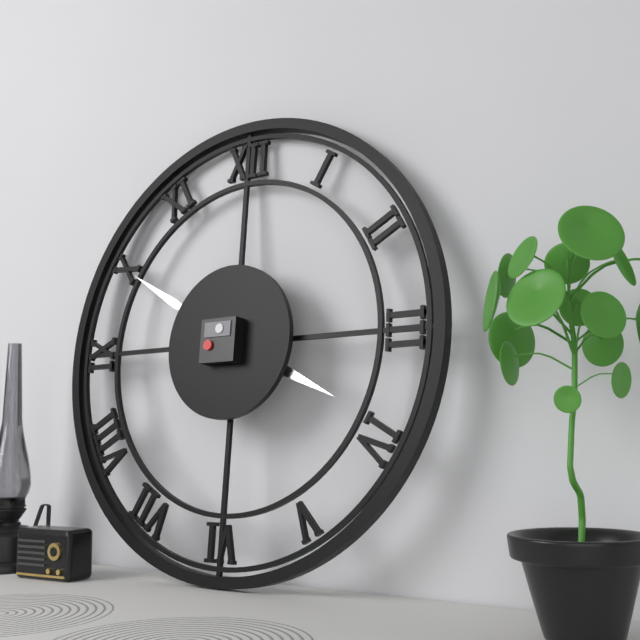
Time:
3.50
